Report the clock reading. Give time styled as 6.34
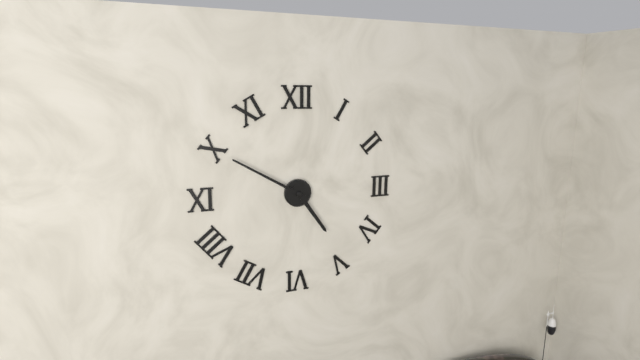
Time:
4.50
